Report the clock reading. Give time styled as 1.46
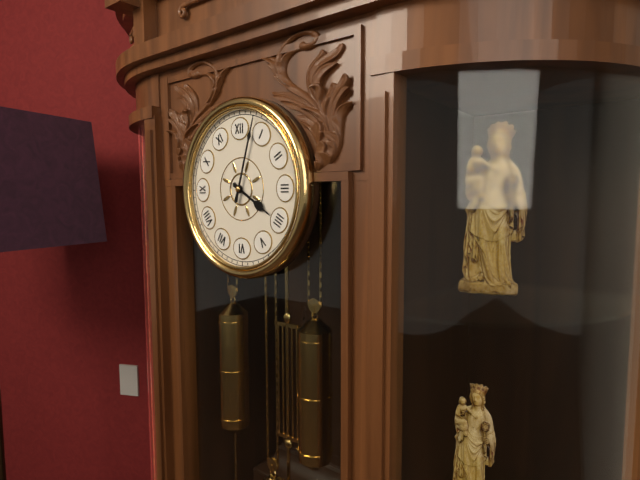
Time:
4.03
